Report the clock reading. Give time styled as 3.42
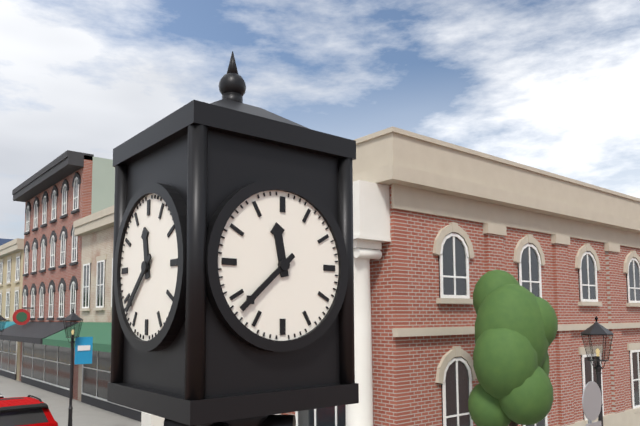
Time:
11.38
